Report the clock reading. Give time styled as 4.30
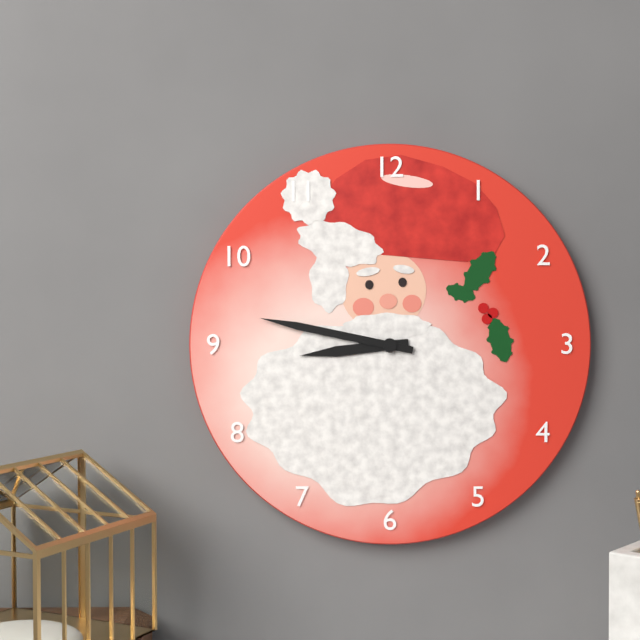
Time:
8.47
